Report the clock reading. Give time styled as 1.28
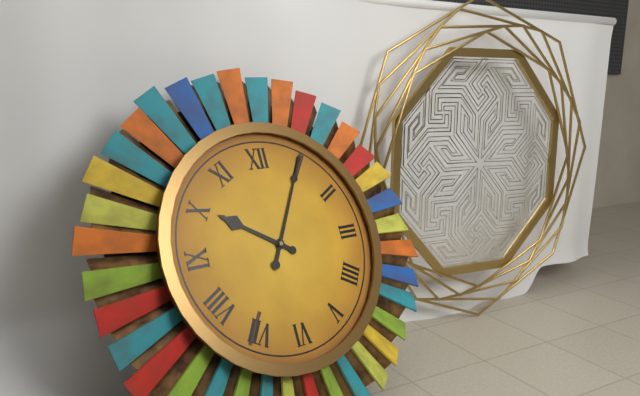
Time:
10.05
